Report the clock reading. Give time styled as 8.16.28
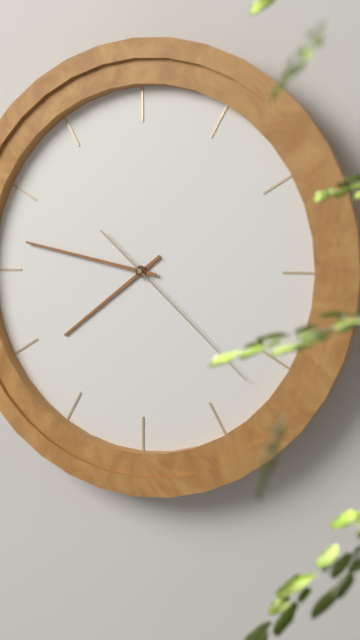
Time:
7.47.22
